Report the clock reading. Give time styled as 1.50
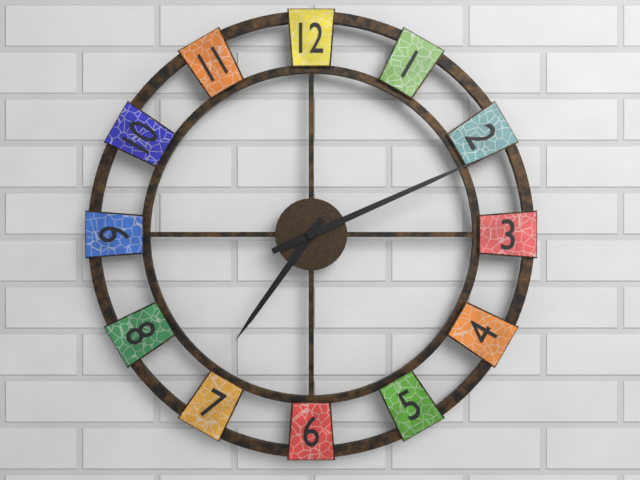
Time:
7.11
